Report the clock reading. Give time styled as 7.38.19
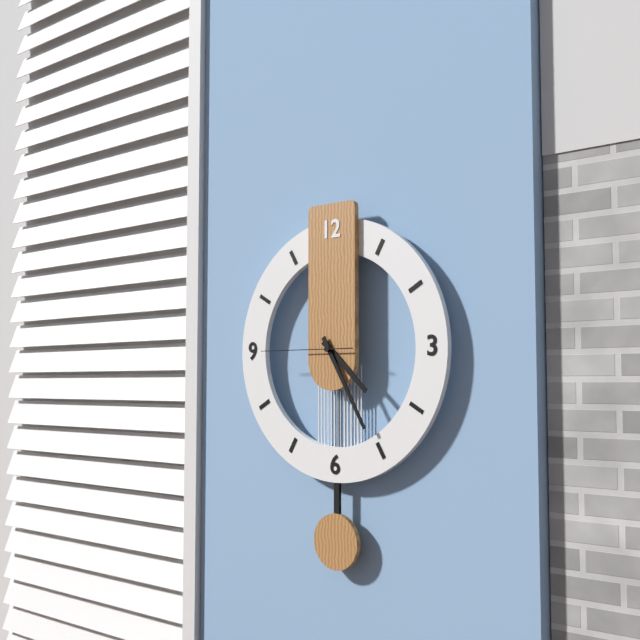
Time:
4.25.45
